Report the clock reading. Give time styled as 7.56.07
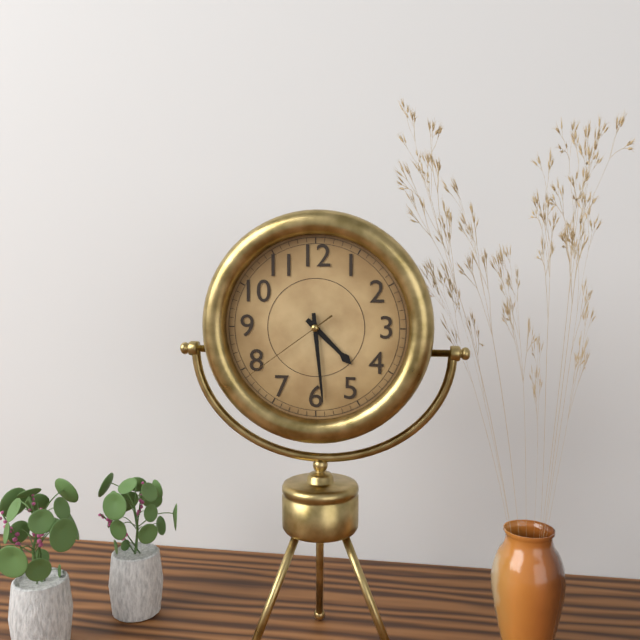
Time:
4.29.39
